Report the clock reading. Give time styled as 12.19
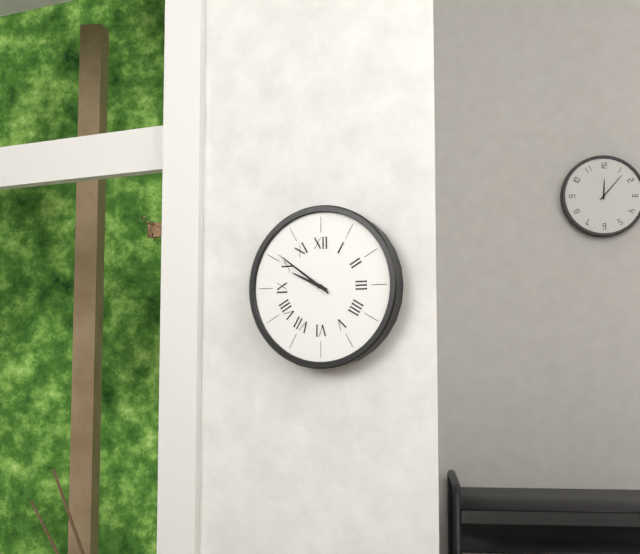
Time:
9.51
